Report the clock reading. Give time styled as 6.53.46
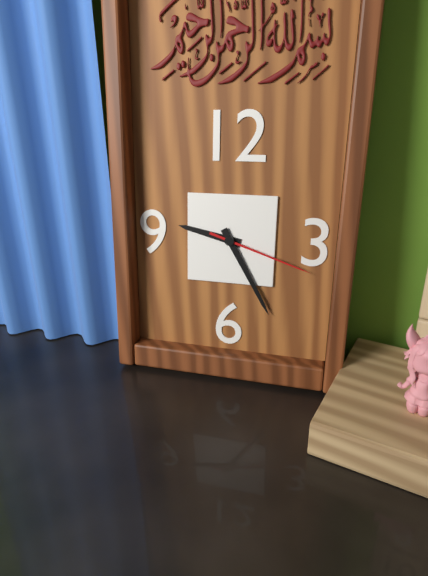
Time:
9.25.18
